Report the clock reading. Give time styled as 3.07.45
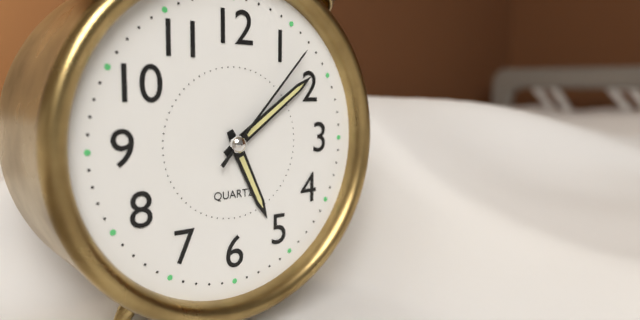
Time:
5.09.07
